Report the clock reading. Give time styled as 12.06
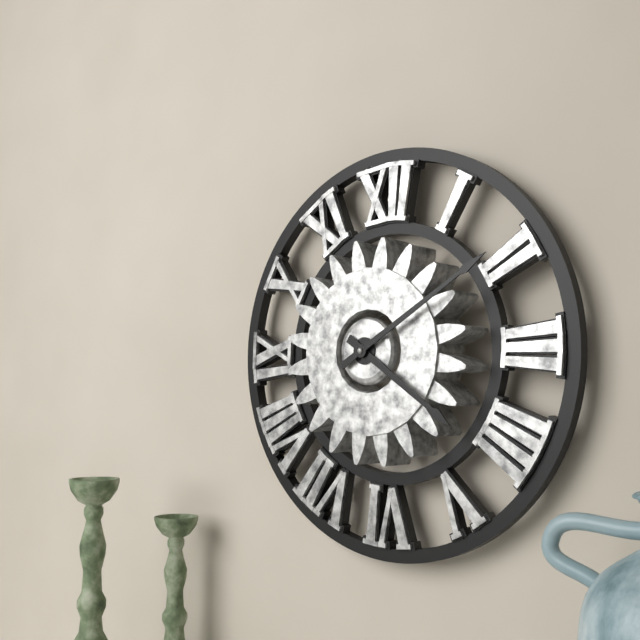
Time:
4.10
